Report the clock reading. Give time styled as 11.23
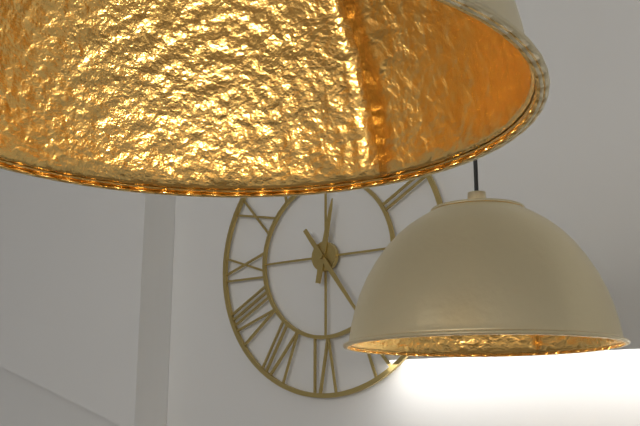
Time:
12.24
